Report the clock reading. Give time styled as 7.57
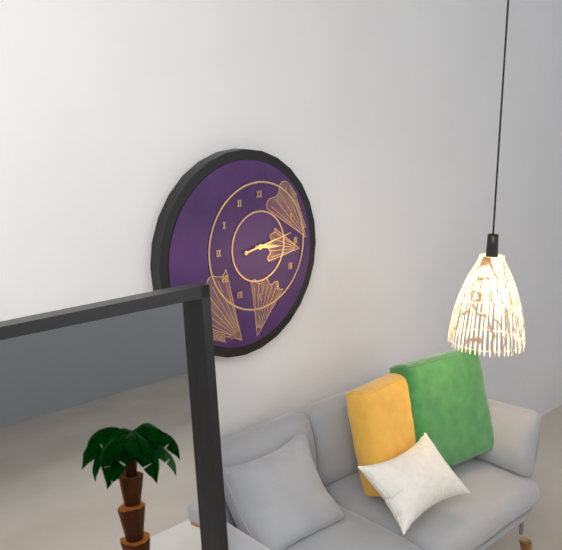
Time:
3.13
